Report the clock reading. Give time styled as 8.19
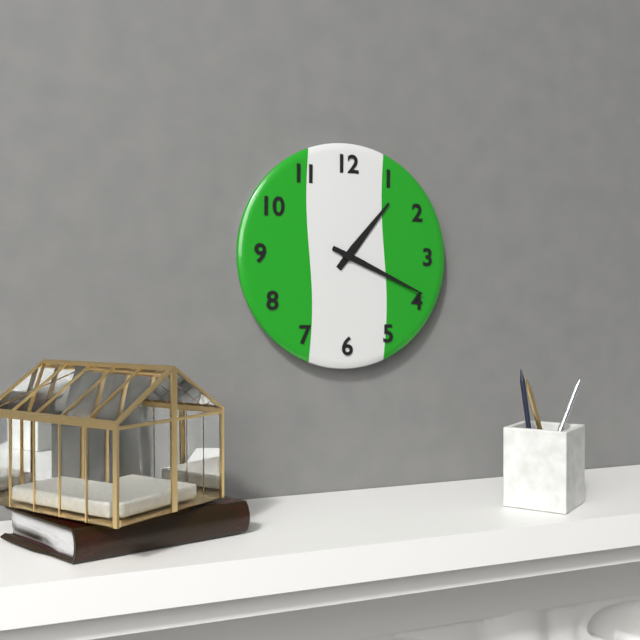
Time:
1.19
